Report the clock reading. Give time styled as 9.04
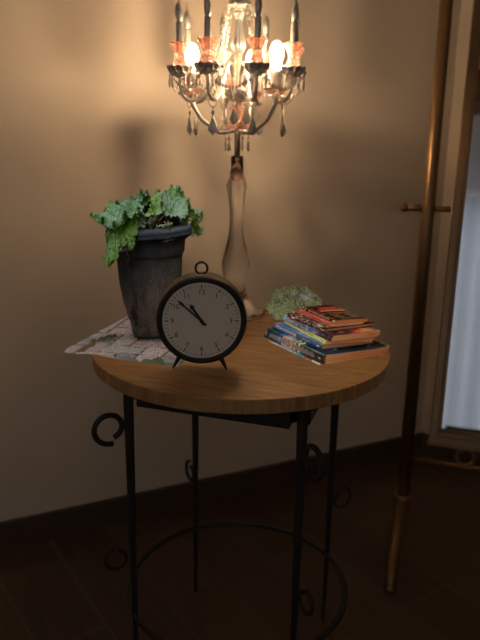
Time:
10.52
